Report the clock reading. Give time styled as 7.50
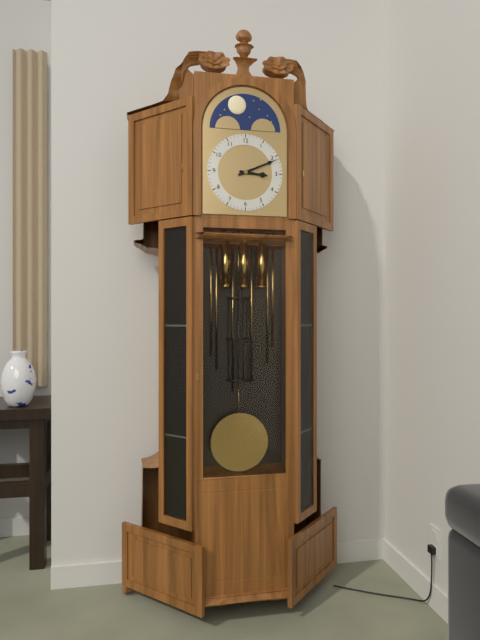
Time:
3.11
